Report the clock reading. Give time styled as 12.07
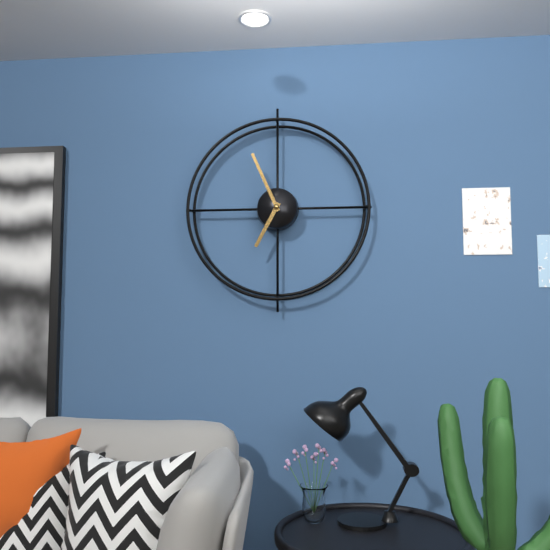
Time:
6.56
